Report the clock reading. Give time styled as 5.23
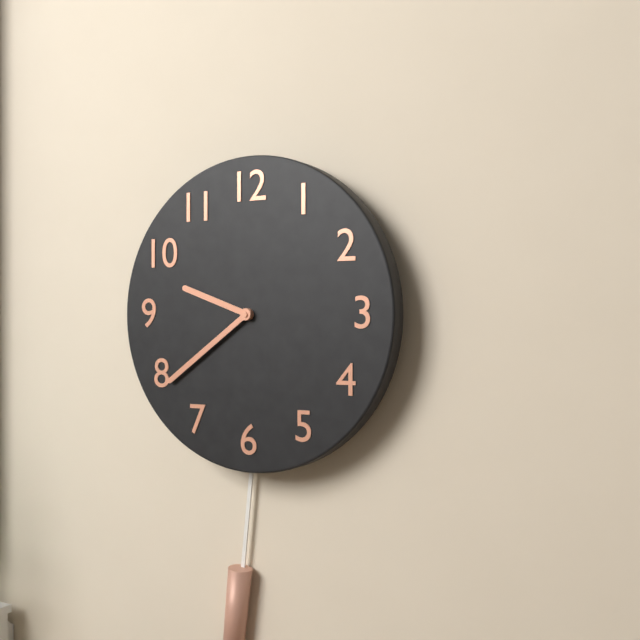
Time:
9.39
